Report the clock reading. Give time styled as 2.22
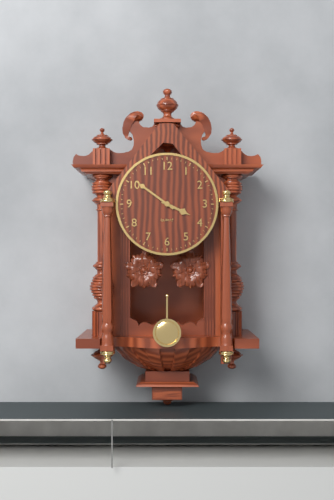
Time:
3.51
